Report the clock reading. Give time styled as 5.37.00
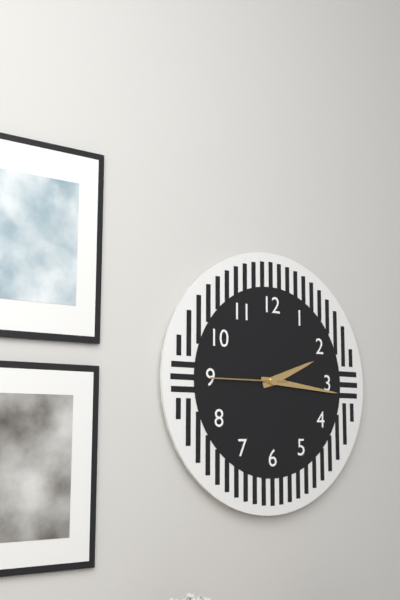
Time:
2.16.45
